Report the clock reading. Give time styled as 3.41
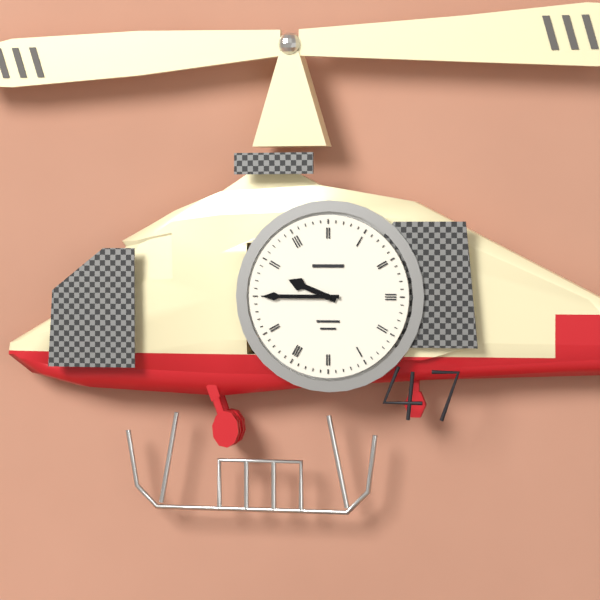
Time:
9.45
